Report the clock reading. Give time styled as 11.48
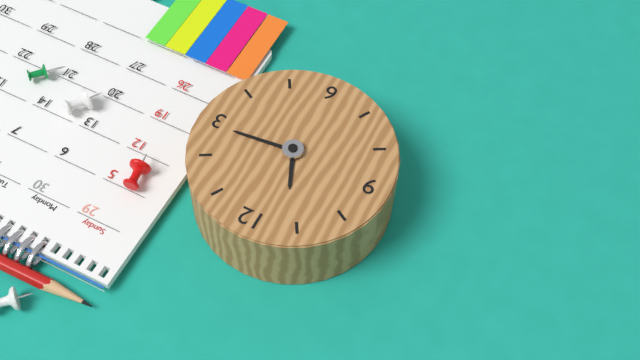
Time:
11.14
